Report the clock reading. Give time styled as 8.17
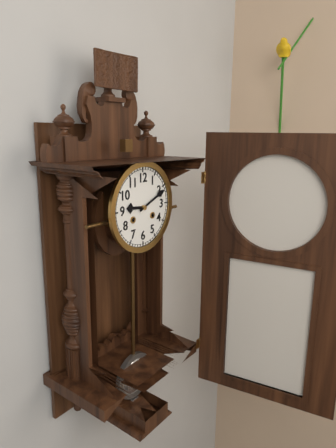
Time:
9.11
